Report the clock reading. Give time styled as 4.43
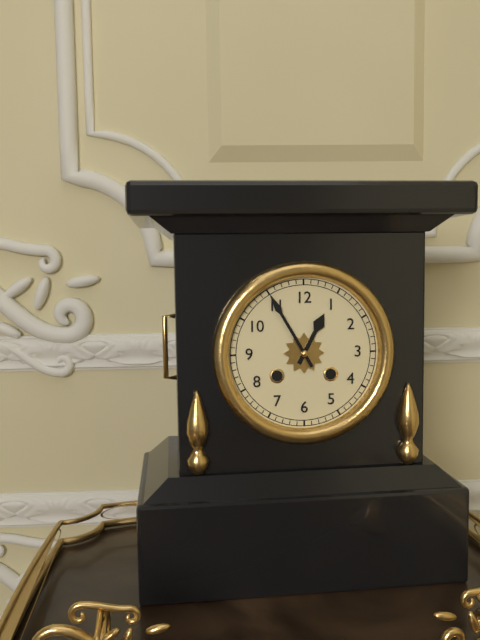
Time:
12.55
